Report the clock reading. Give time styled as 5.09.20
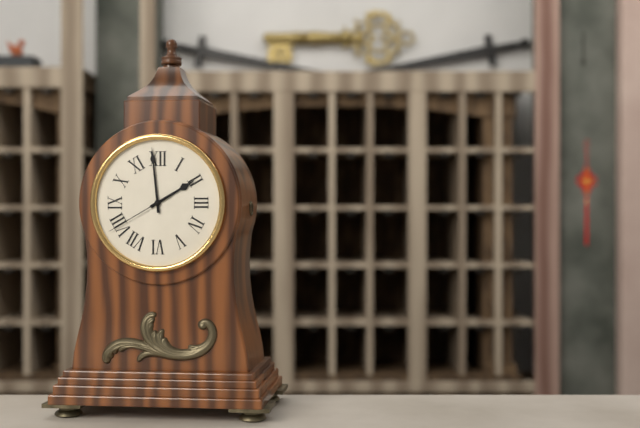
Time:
1.59.40
